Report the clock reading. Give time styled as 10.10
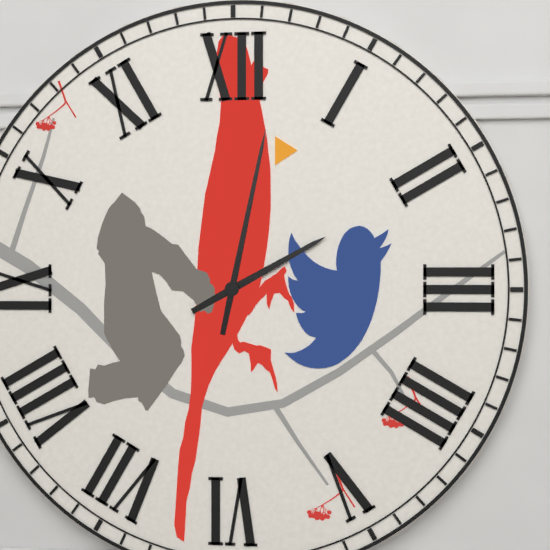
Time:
2.02
